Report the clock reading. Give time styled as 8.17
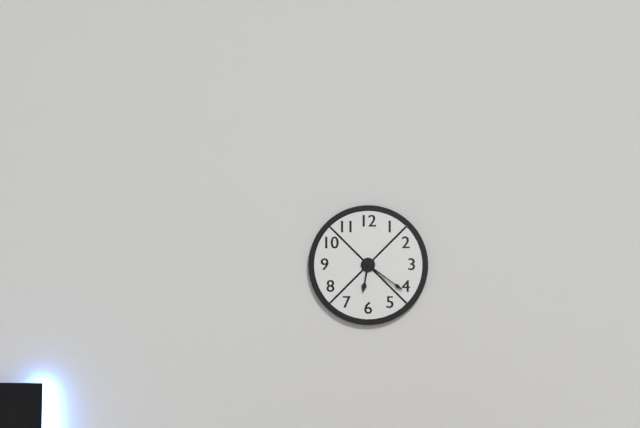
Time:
6.21
